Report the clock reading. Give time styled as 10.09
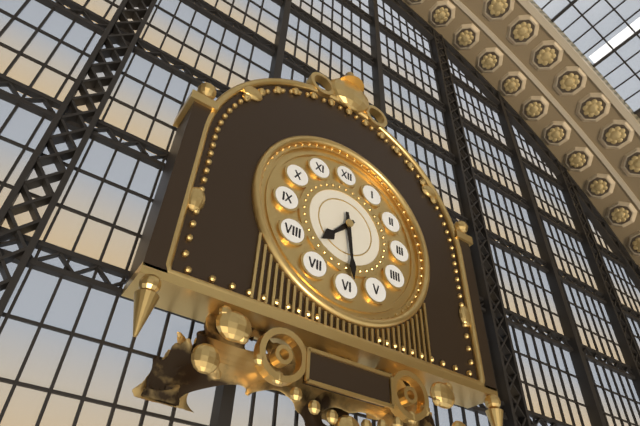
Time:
7.29
